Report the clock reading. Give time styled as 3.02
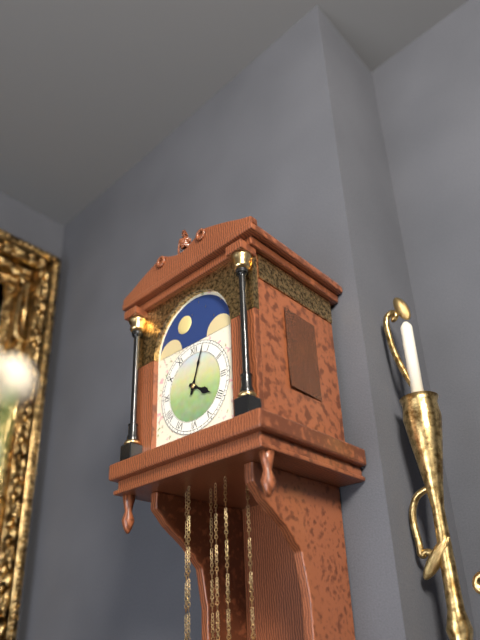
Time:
4.03
